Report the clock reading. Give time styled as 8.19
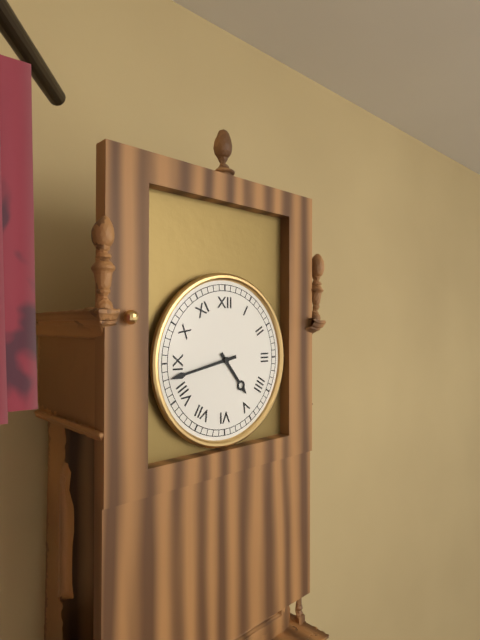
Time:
4.43
